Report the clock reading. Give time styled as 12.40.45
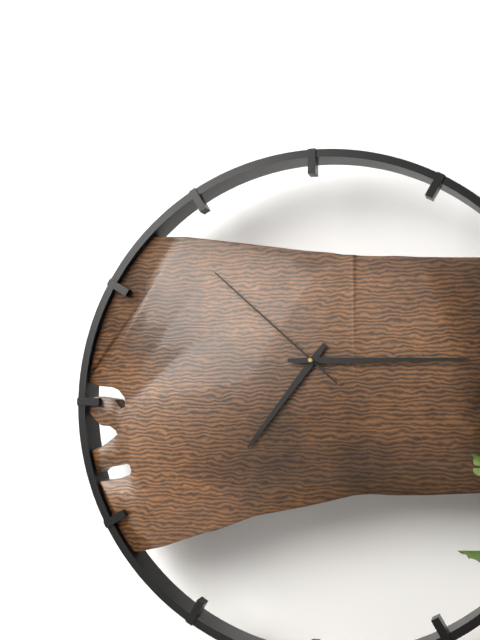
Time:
7.15.52
